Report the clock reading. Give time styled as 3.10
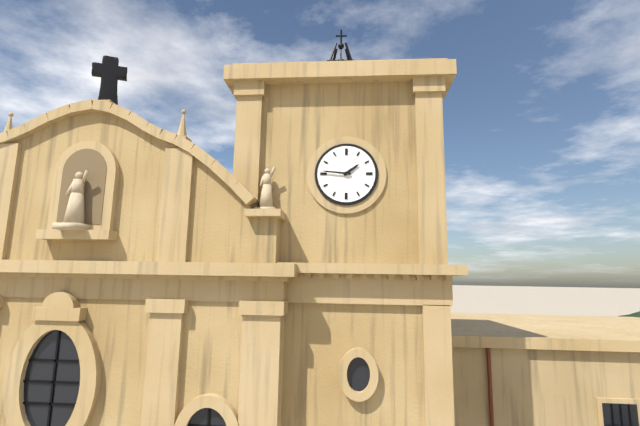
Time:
1.46
